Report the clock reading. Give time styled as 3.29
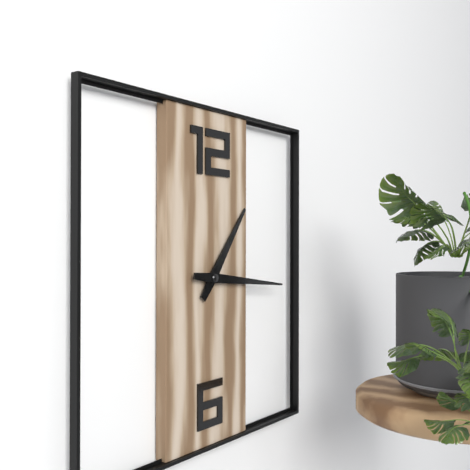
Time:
1.16
